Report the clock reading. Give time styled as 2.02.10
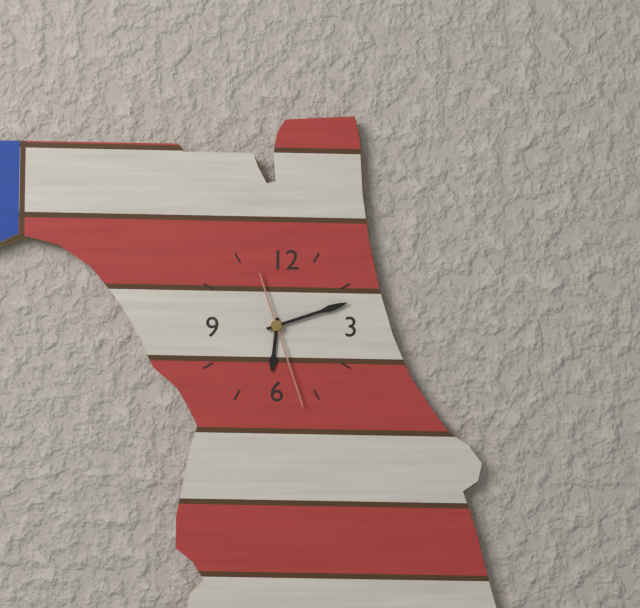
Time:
6.12.27
